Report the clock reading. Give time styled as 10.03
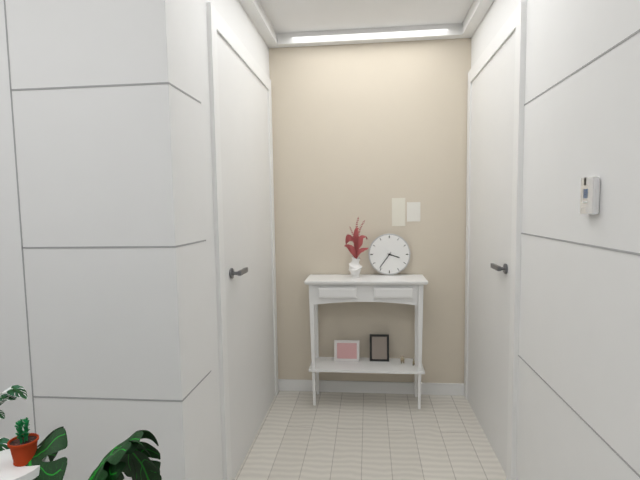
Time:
3.36
